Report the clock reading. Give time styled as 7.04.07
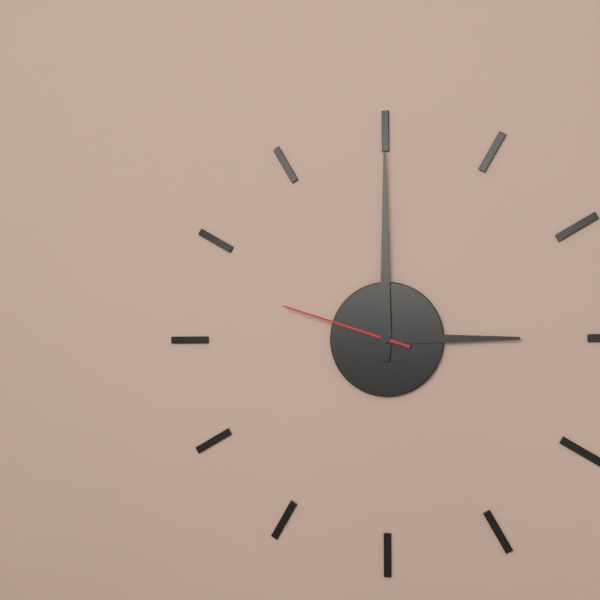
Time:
3.00.48
